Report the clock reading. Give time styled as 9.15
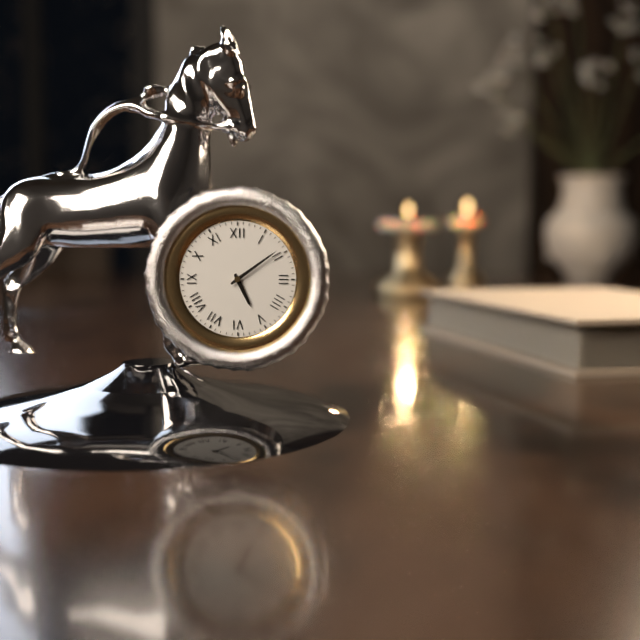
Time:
5.09
